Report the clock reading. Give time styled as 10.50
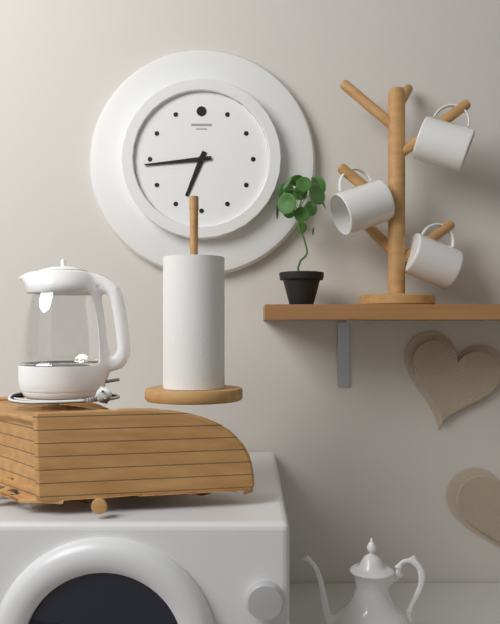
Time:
6.44
